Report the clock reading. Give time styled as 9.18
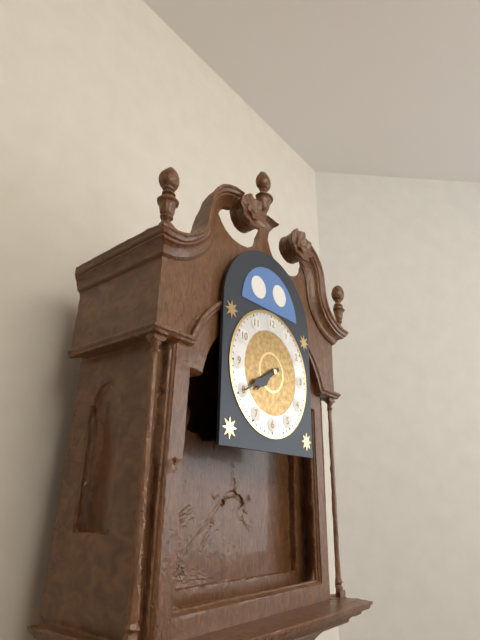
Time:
7.40
